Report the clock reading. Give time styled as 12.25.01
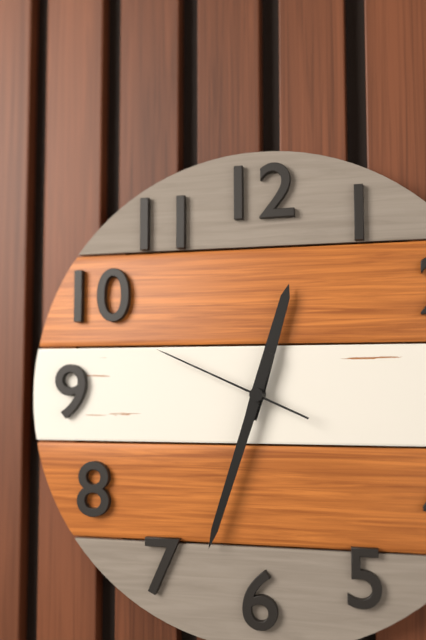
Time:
12.33.49
